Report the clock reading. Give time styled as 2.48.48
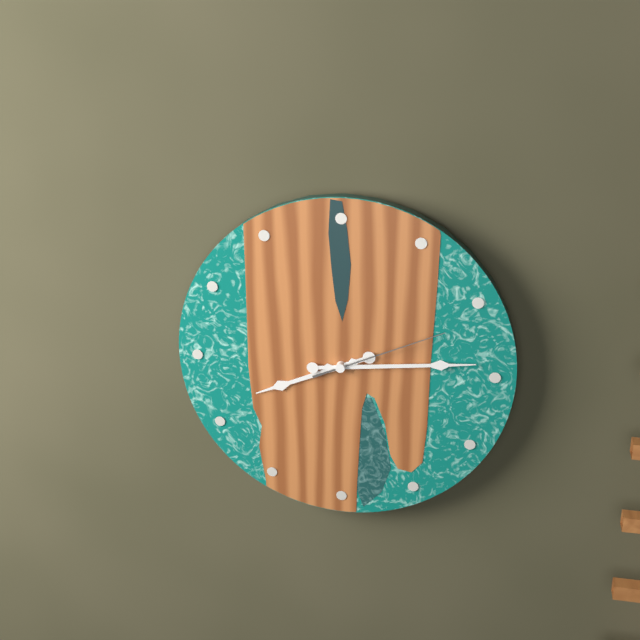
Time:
8.14.11
